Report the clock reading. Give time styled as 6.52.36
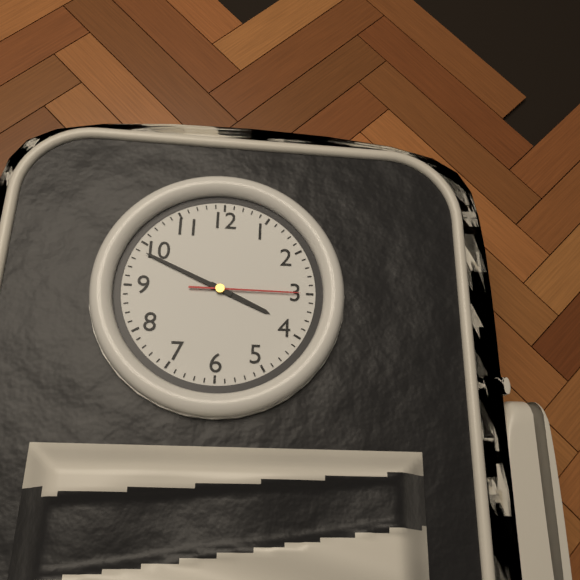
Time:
3.49.15
